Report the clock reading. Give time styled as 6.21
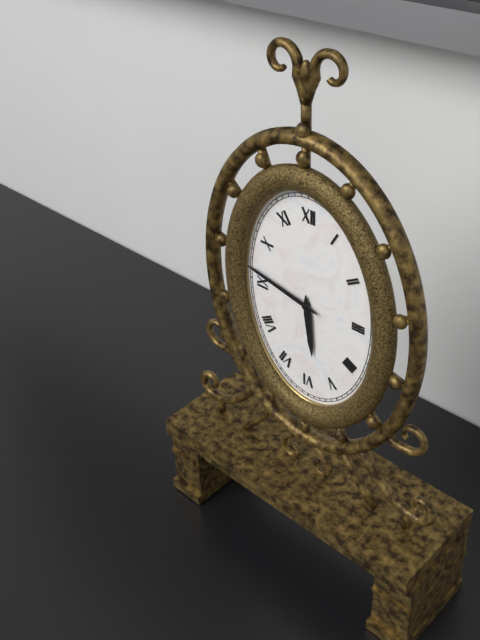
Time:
5.47
